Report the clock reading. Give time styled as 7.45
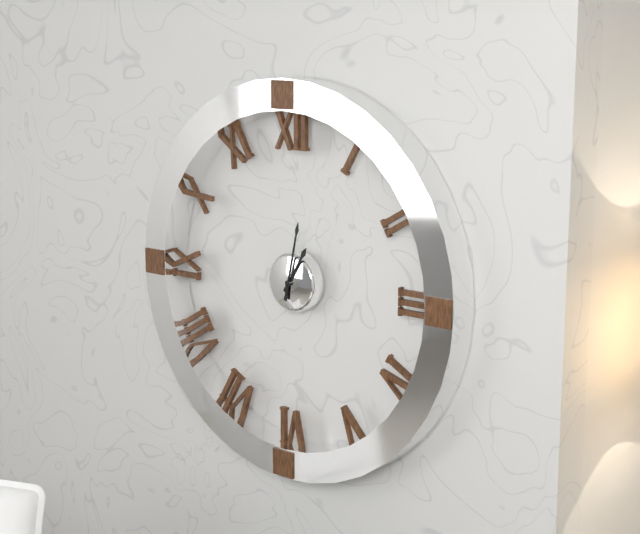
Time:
1.02
